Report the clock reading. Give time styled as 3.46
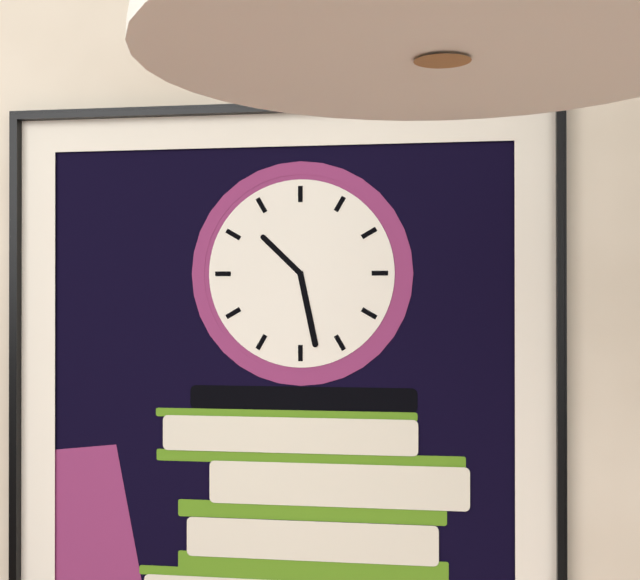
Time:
10.28
